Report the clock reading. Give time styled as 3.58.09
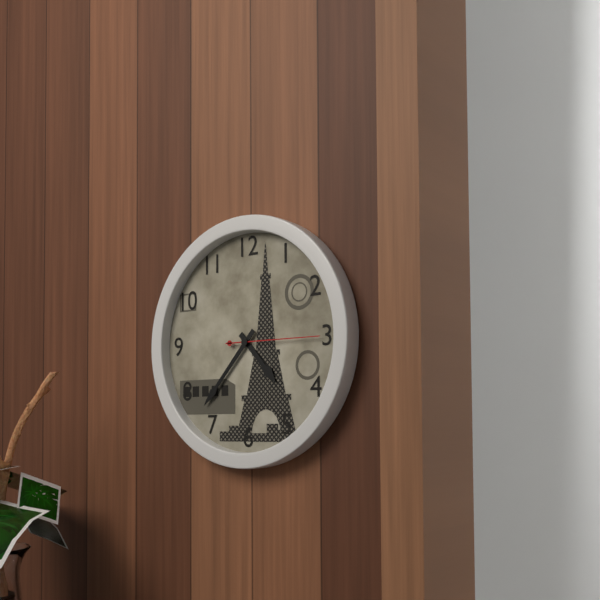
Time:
4.37.15
